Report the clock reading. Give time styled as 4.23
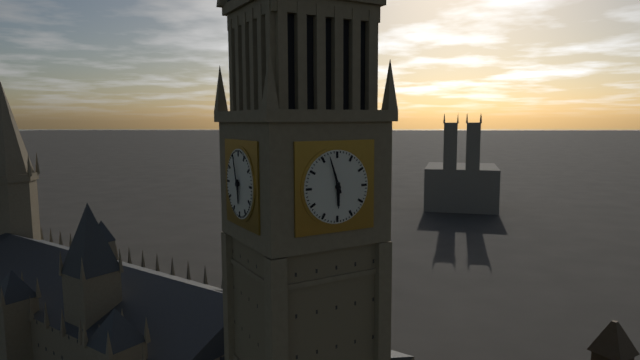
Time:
5.57
